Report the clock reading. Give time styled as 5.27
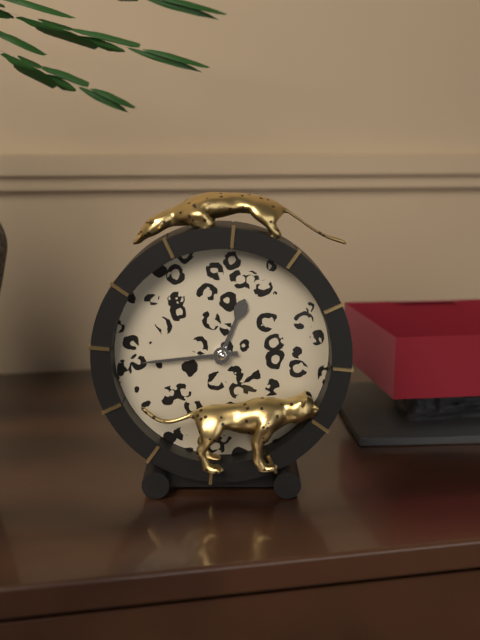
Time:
12.44
